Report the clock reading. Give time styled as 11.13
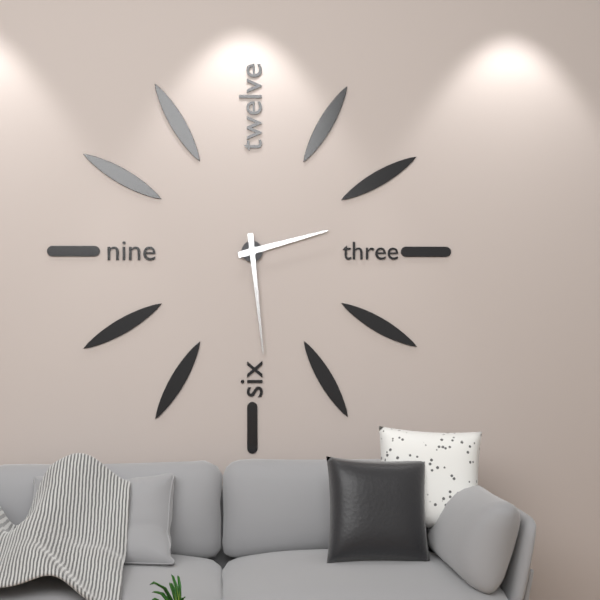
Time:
2.29
